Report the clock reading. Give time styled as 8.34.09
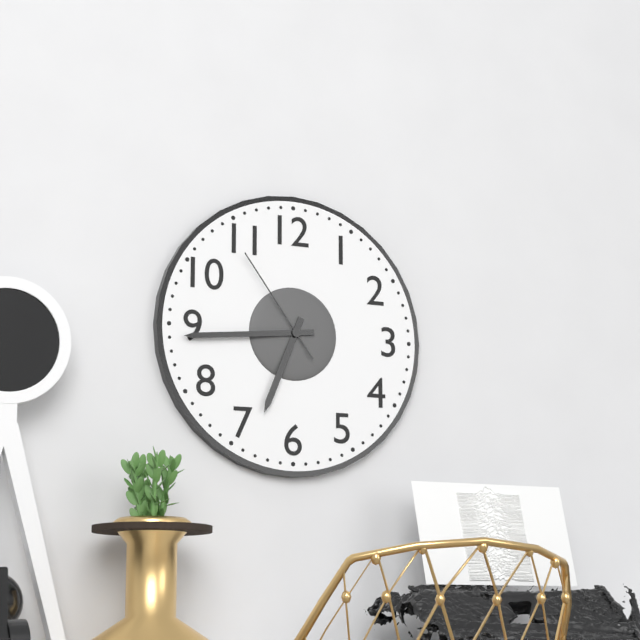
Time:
6.44.54
